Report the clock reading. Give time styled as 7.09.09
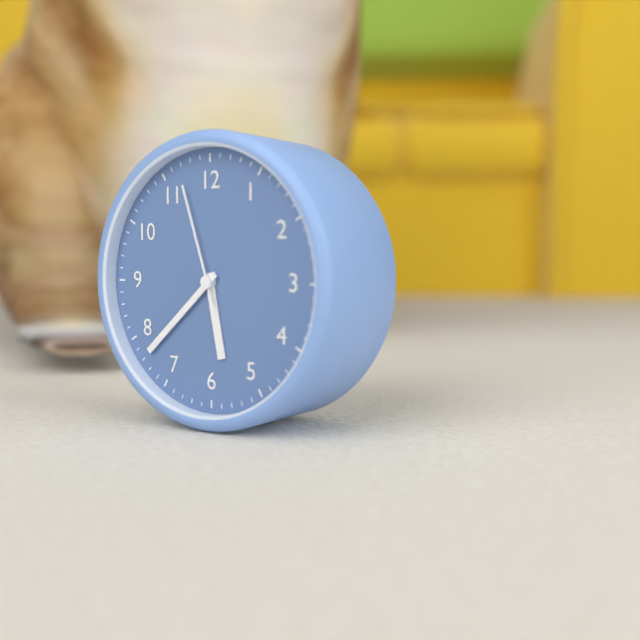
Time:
5.38.57
